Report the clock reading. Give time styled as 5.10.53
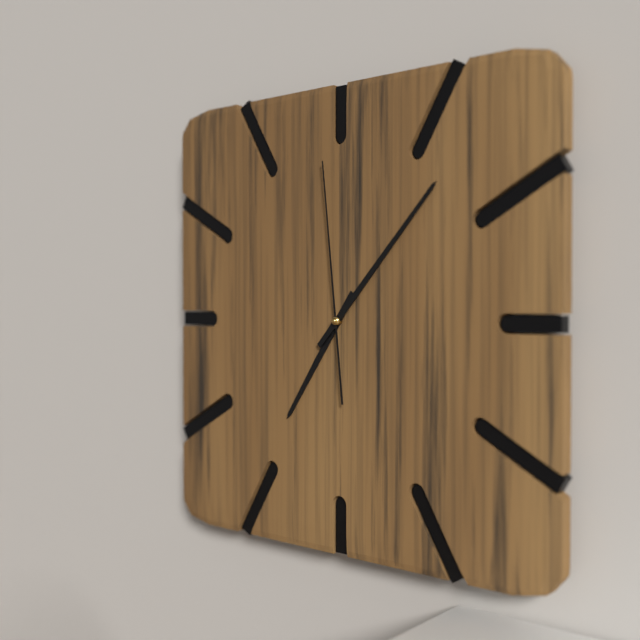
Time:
7.07.59
